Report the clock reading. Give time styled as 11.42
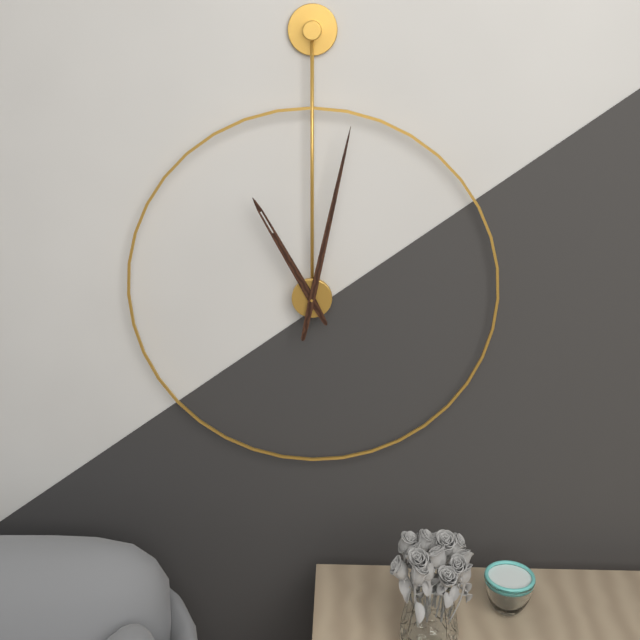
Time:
11.02
